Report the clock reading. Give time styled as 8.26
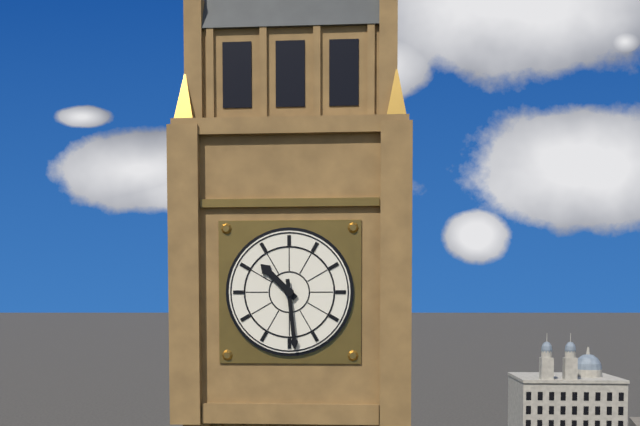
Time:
10.29
